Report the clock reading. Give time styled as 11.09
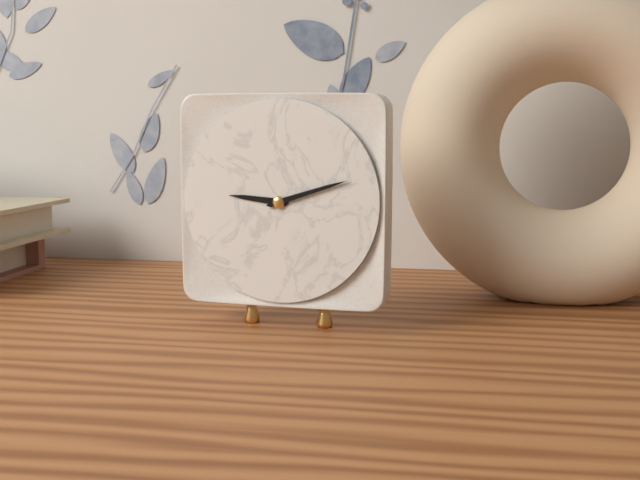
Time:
9.12
